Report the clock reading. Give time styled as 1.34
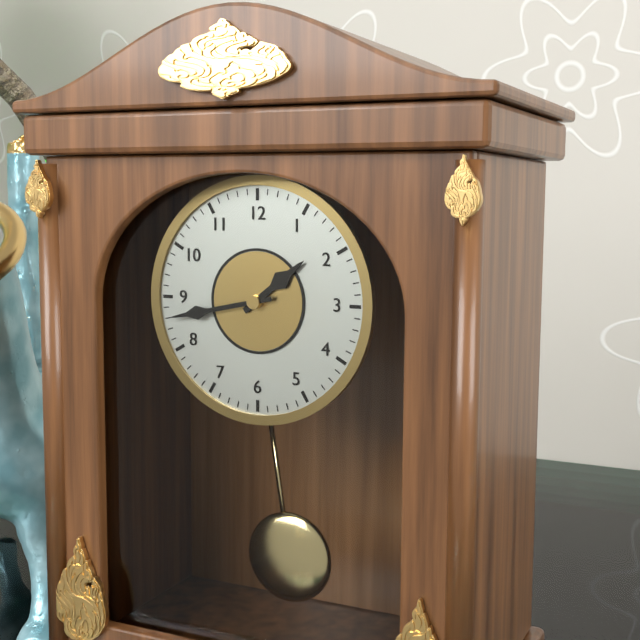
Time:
1.43
